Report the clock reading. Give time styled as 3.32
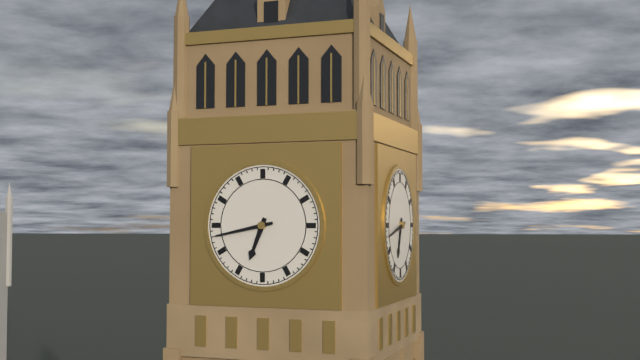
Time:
6.43
